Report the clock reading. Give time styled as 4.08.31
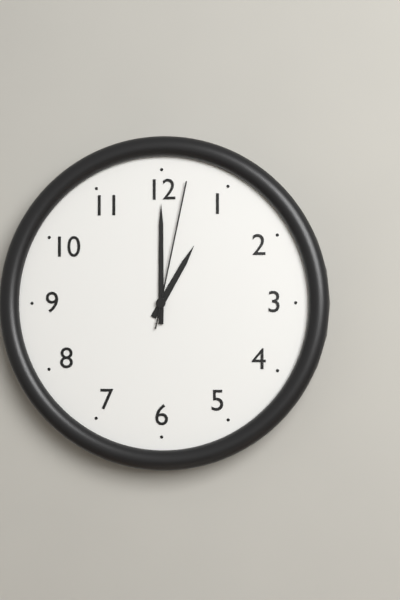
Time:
1.00.02
